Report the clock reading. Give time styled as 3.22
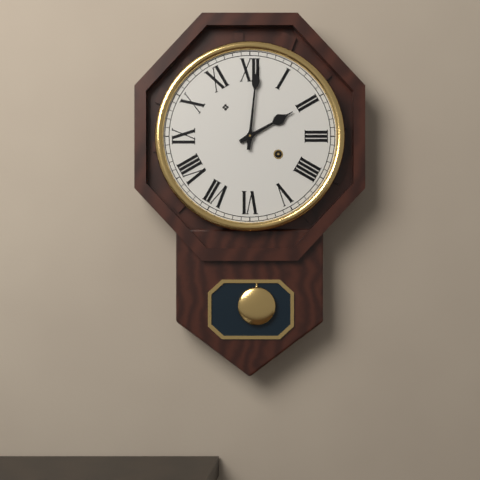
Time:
2.01
